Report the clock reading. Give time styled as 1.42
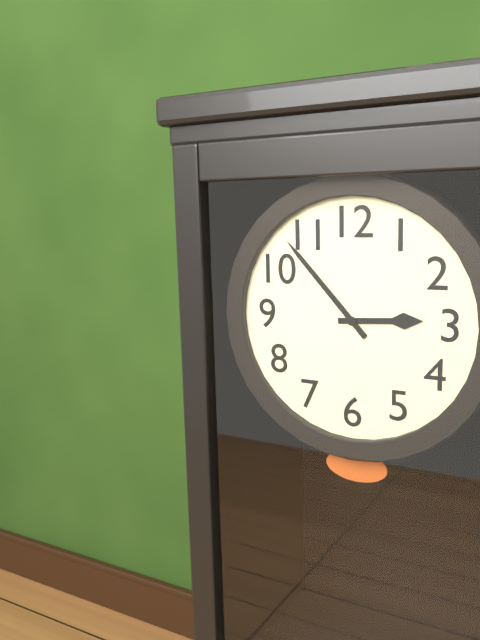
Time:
2.53
